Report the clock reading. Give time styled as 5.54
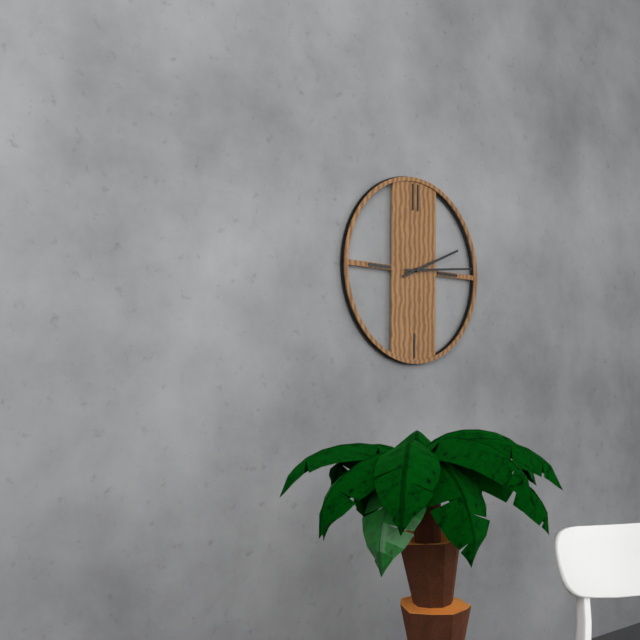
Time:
2.14
